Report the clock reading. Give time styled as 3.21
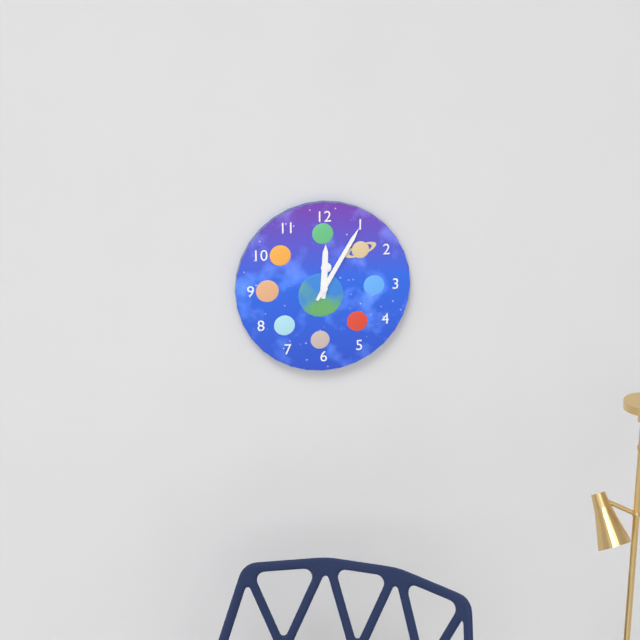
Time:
12.05
